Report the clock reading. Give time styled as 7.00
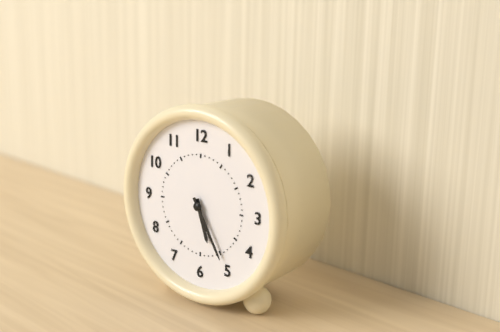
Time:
5.25
